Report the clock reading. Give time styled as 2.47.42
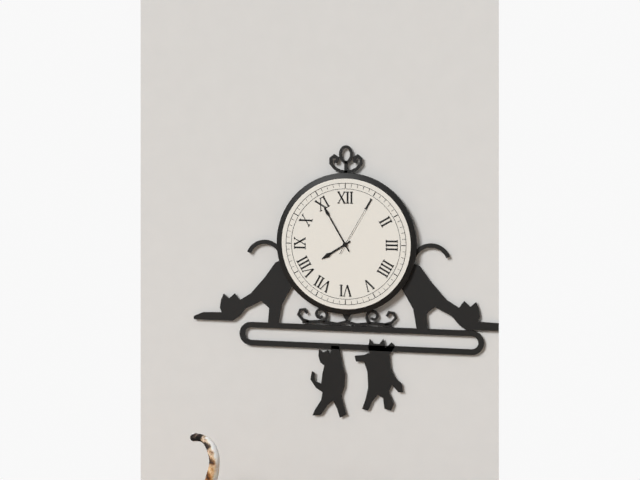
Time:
7.55.05
